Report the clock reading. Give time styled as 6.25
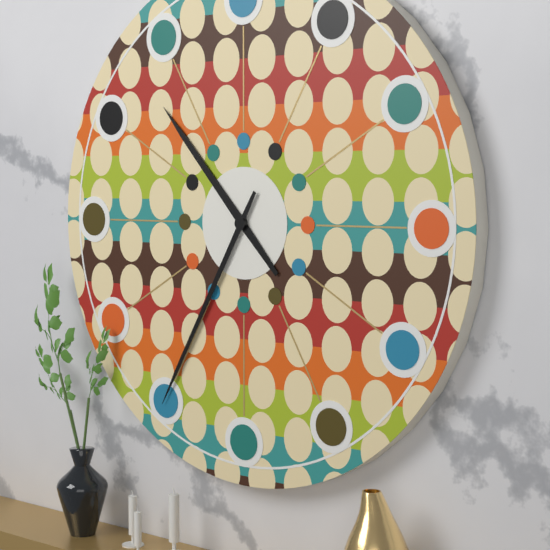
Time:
10.35
